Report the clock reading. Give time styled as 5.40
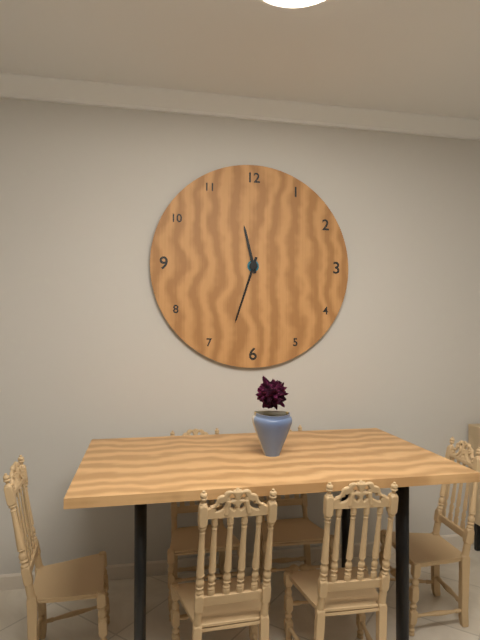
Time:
11.33
